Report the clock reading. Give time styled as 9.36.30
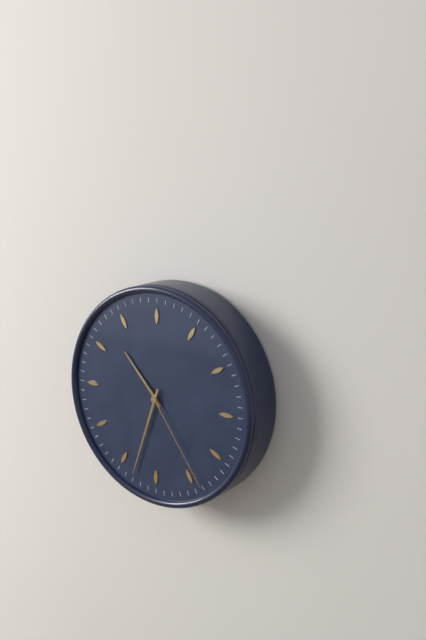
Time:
10.33.24
